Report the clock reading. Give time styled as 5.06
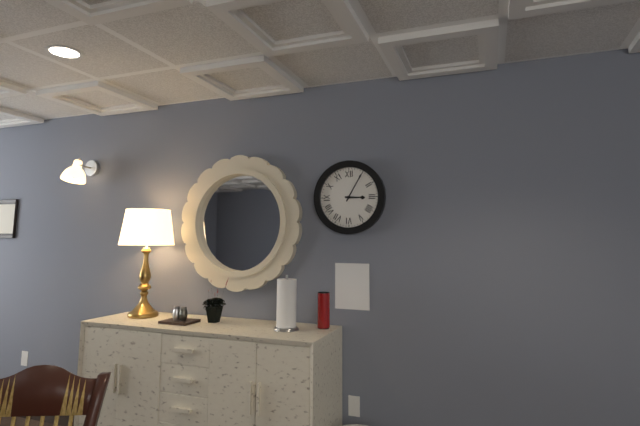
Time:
3.05
